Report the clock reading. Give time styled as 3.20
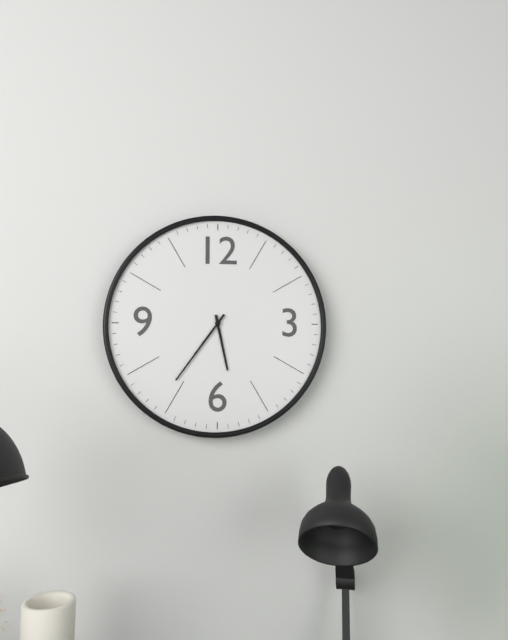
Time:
5.36
